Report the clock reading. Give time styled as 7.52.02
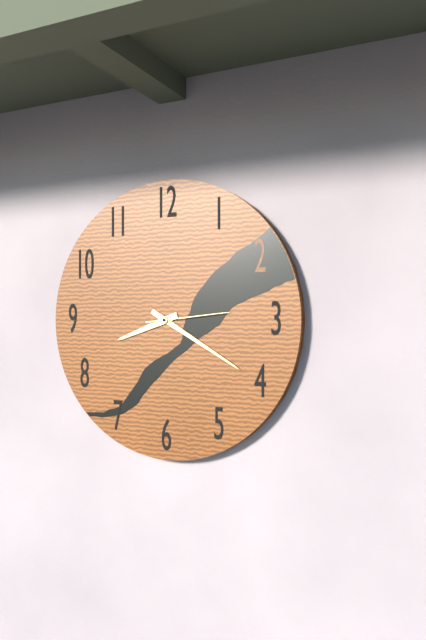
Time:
8.20.14
